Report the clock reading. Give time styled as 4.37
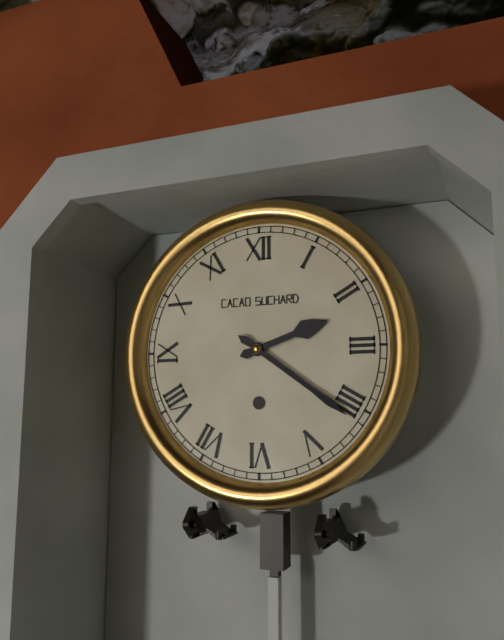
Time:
2.21
